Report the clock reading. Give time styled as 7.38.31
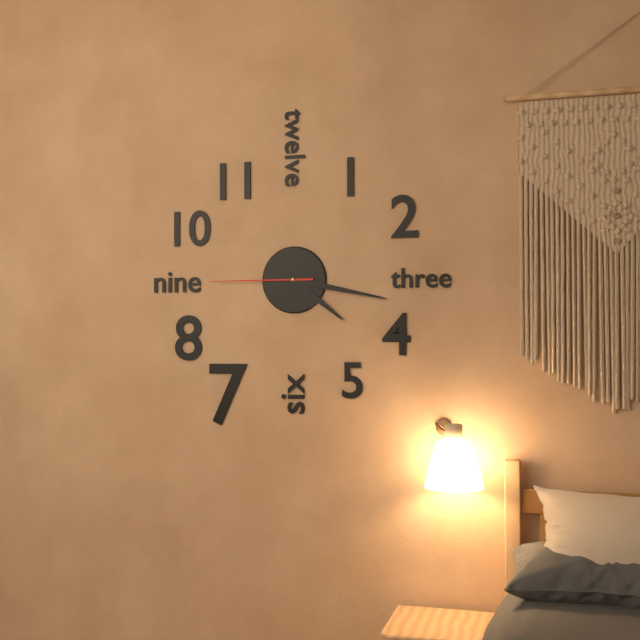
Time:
4.17.45
